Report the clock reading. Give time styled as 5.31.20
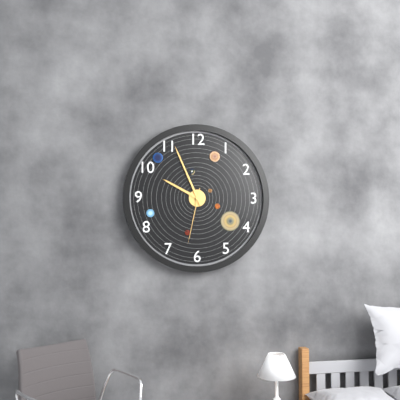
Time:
9.56.32
